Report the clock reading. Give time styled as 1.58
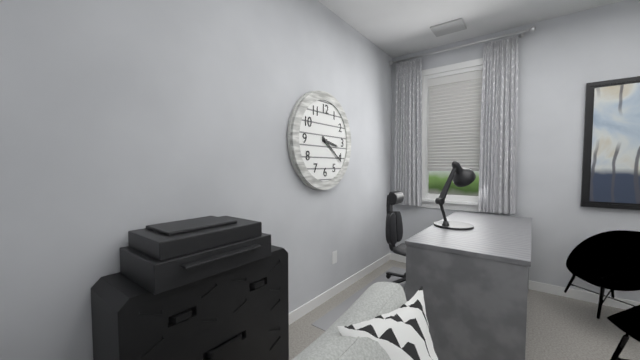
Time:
3.21
